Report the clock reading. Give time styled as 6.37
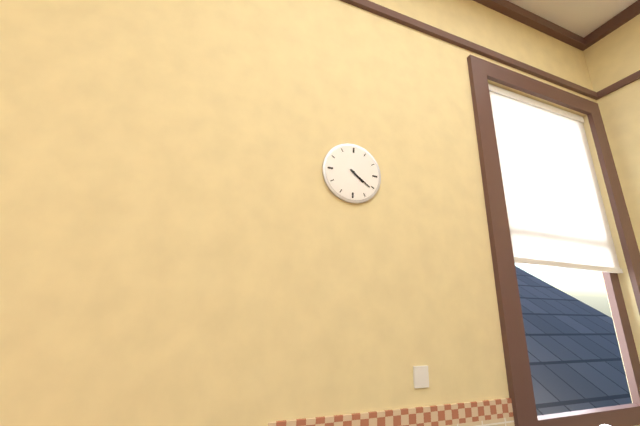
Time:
4.21
